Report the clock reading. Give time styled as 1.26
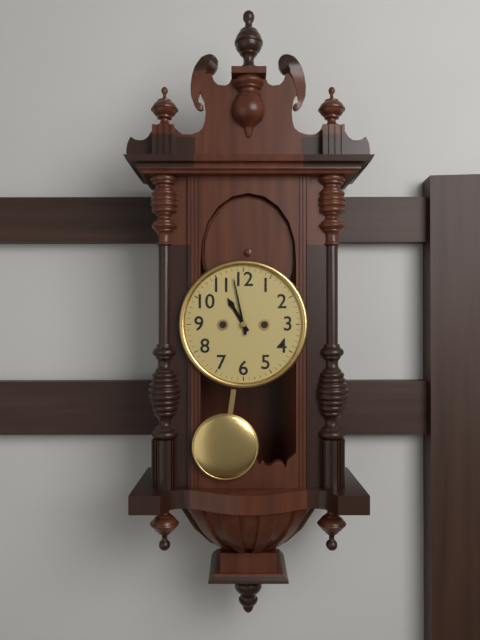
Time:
10.58
